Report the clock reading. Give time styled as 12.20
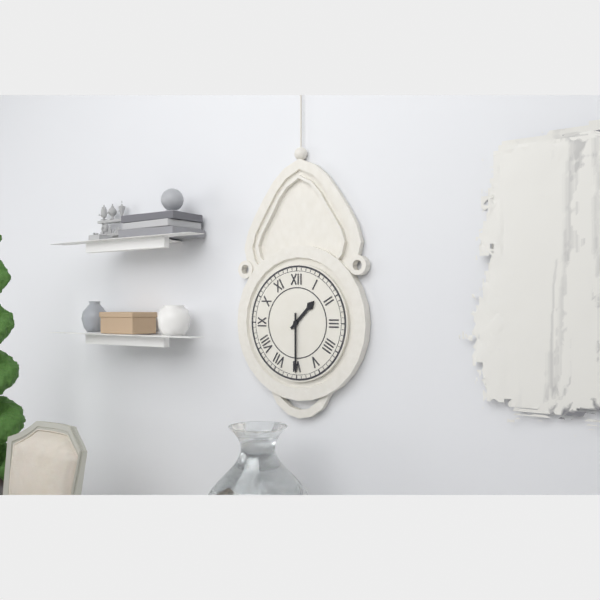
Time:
1.30
